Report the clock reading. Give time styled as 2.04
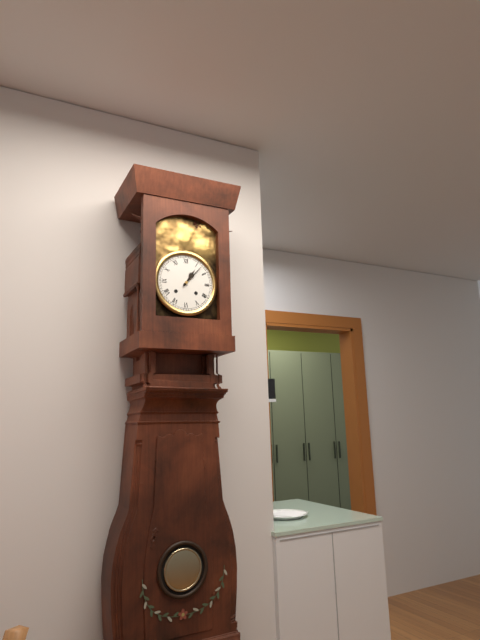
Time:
1.07
